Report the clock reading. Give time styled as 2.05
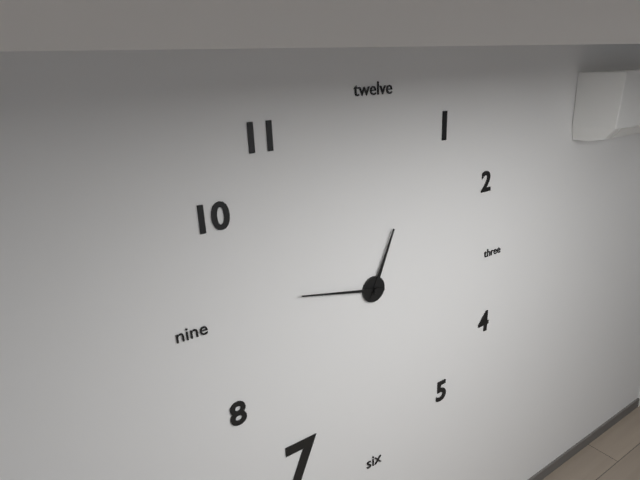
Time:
12.47
